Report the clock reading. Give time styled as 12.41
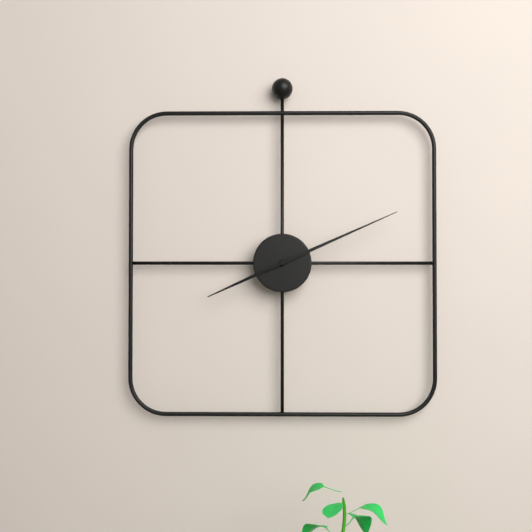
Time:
8.11
